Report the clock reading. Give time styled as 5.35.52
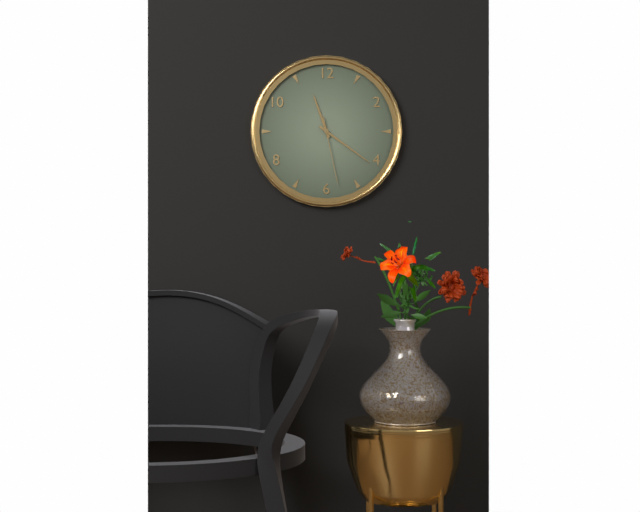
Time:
11.21.28
